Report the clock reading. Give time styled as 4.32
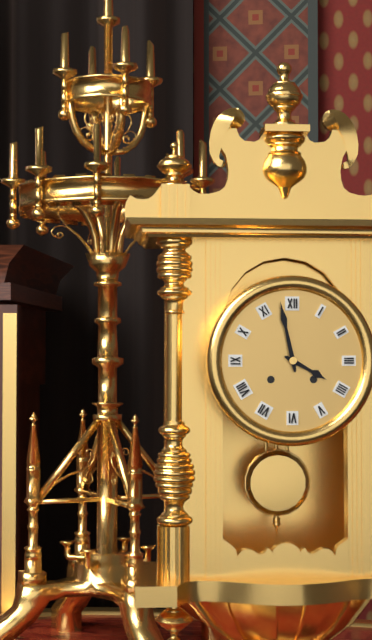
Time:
3.58
